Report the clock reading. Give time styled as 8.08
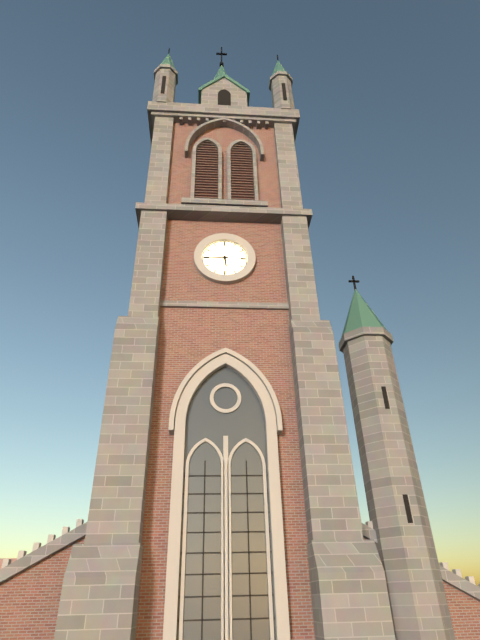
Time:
5.45
